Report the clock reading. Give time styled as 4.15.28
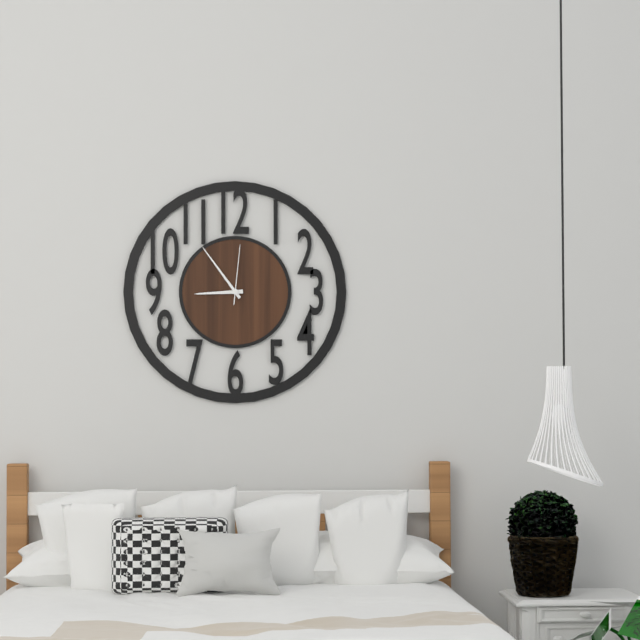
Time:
8.54.01
